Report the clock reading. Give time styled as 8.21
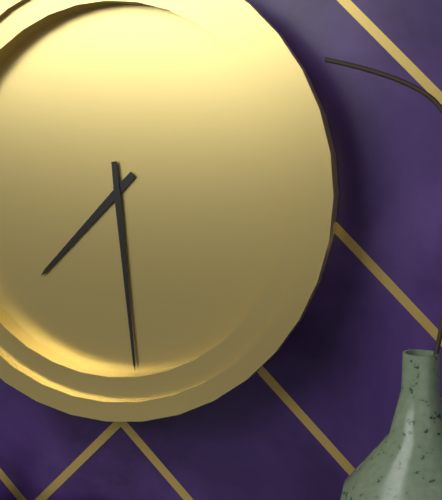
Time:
7.29
